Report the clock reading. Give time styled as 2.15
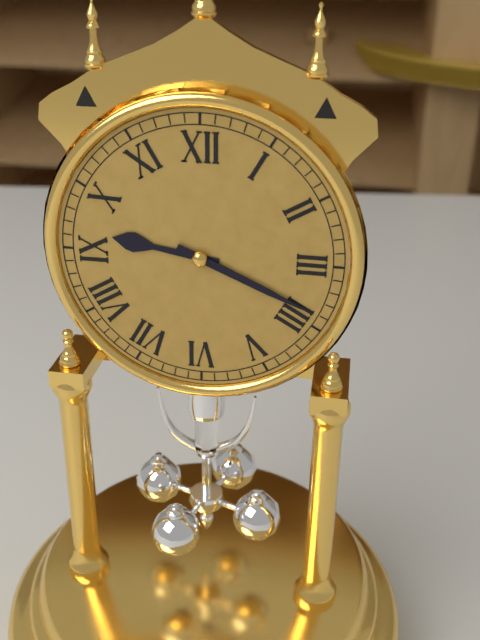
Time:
9.19
